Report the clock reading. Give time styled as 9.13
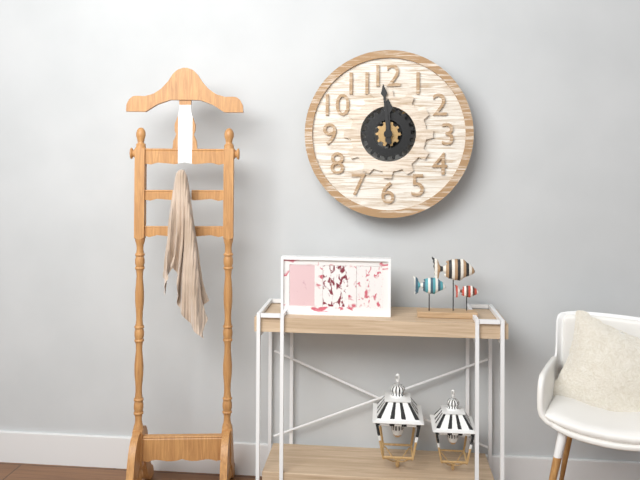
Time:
11.59
